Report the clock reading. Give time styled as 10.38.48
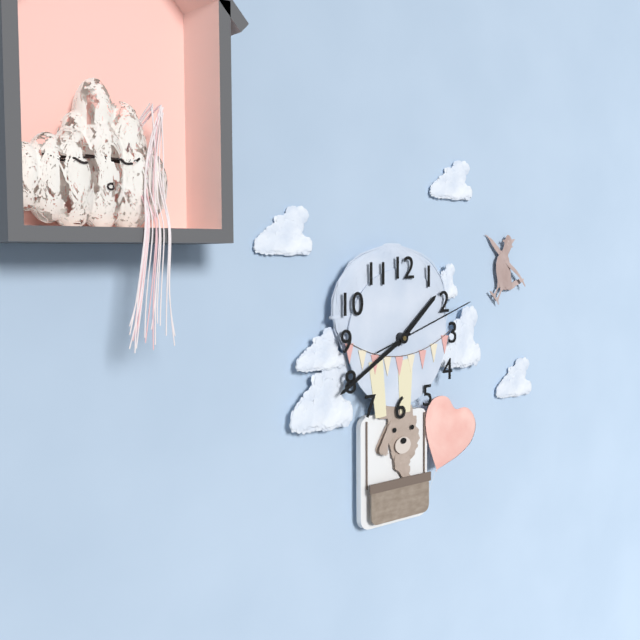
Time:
1.40.12
